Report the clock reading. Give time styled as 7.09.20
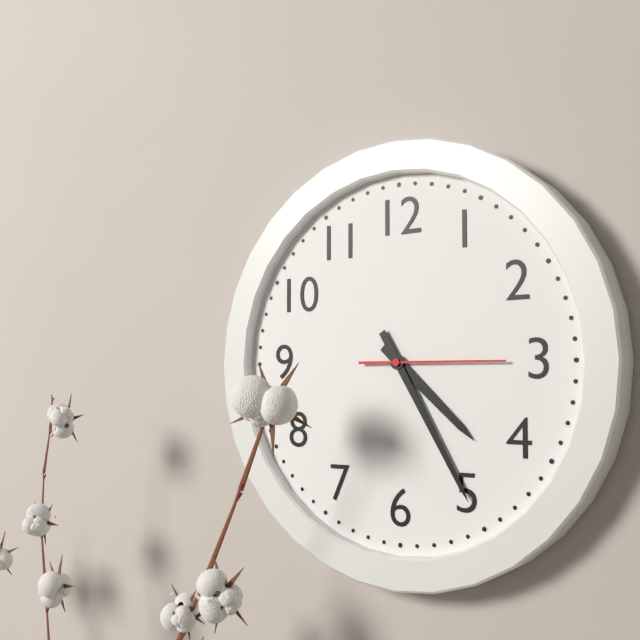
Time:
4.25.15
